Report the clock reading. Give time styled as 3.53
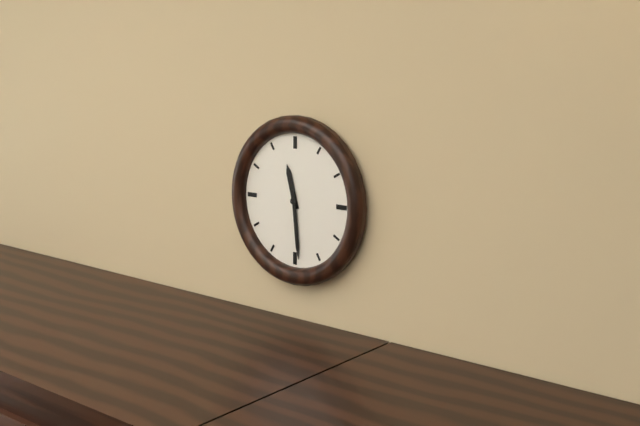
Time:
11.29
